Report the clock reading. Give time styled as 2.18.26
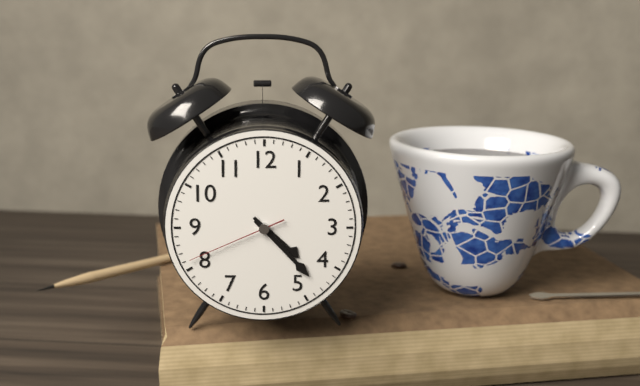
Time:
4.23.41
